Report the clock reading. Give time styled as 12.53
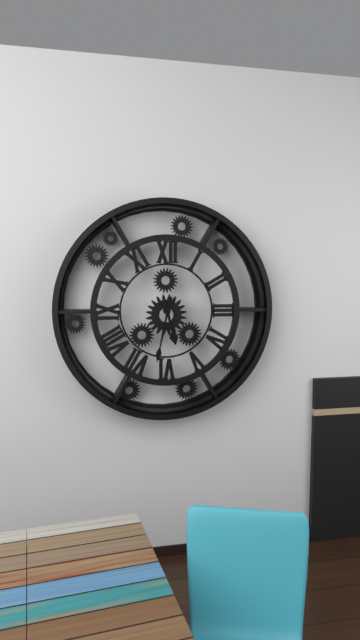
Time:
5.32
